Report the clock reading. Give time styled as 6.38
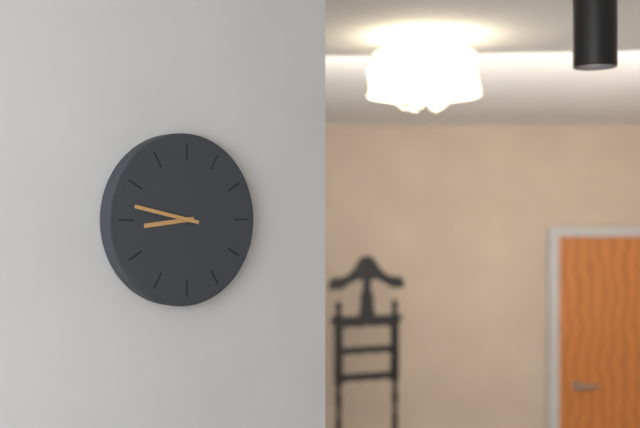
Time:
8.47
